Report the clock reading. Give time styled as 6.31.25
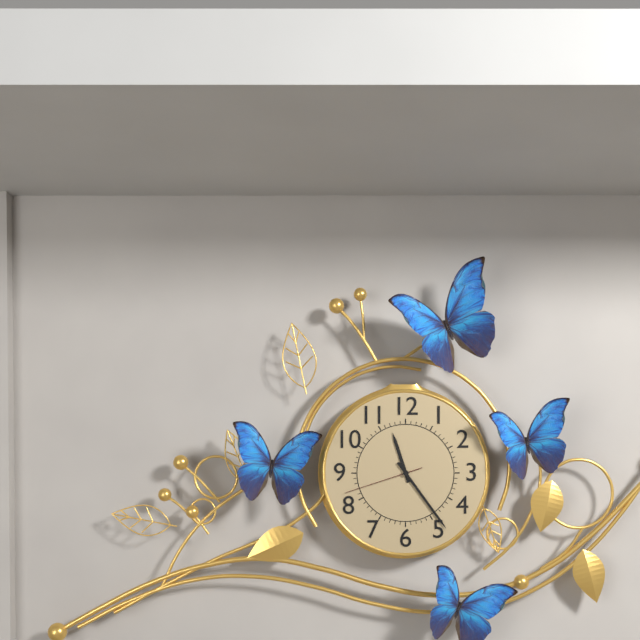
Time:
11.24.42
